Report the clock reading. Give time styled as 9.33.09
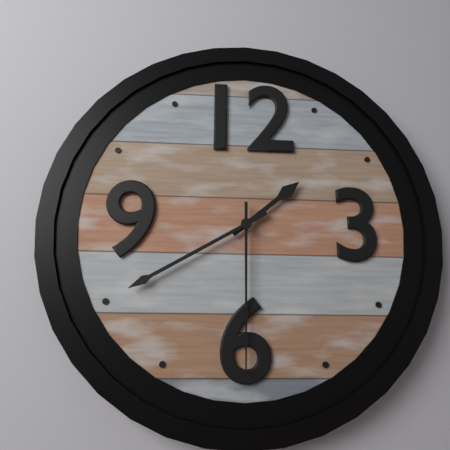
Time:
1.40.30
